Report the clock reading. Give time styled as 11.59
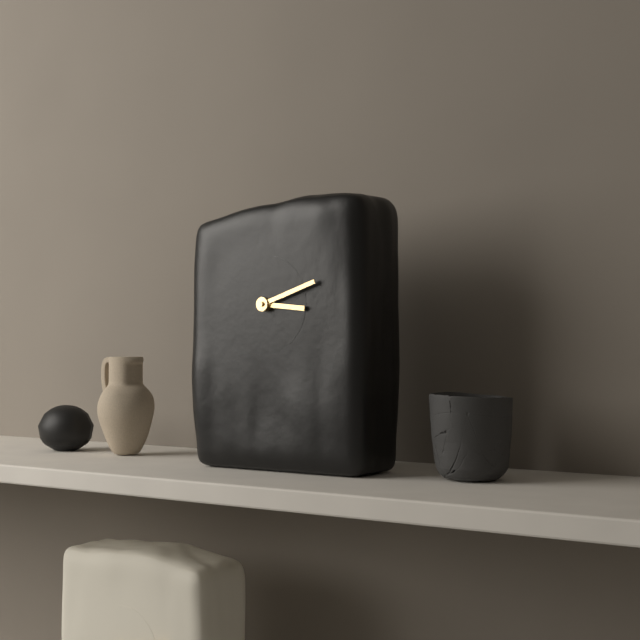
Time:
3.12
